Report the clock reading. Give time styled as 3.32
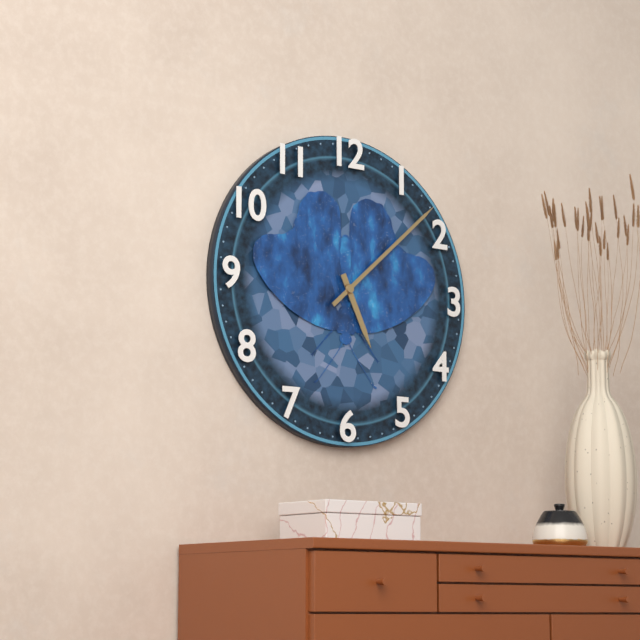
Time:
5.08
